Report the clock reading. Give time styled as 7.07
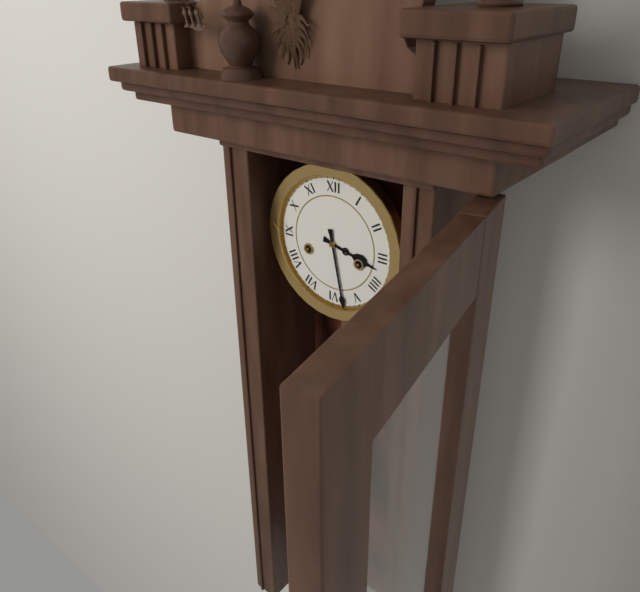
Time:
3.28
